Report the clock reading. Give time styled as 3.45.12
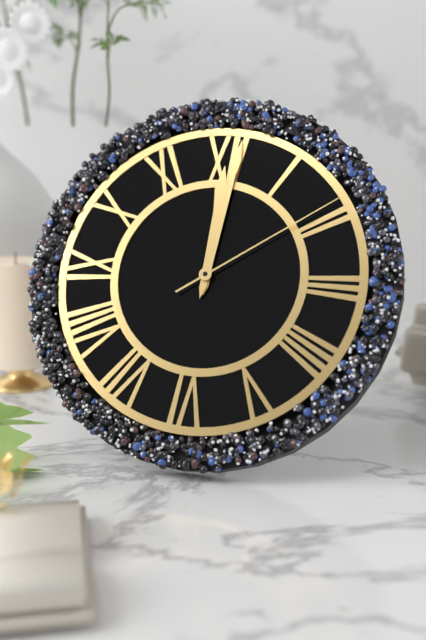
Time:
12.01.09
